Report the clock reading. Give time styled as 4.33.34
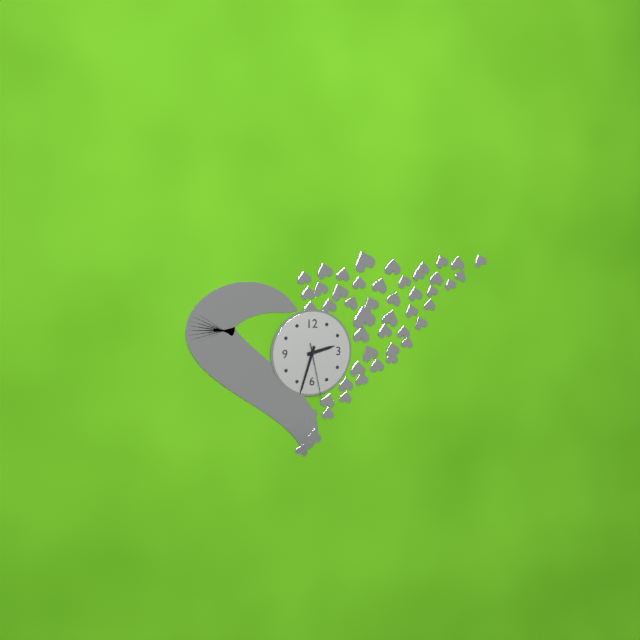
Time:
2.33.28
